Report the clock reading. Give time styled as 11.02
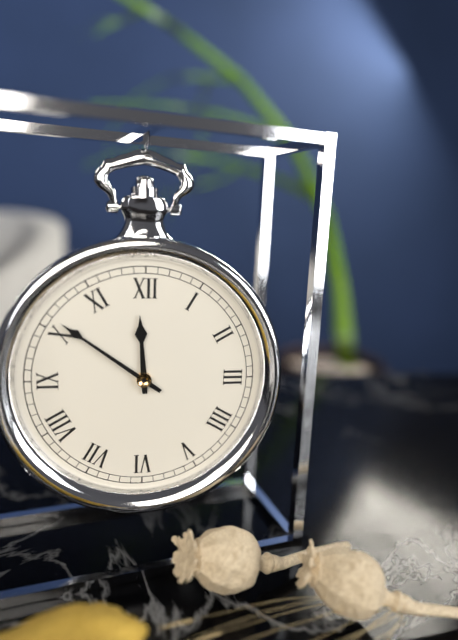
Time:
11.51
